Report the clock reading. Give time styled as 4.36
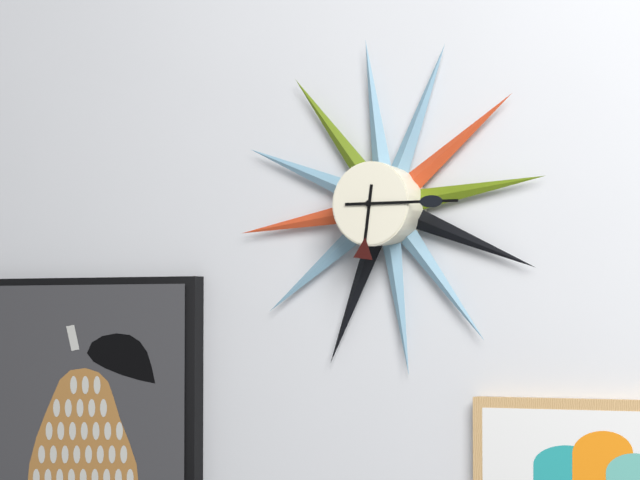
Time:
6.15
